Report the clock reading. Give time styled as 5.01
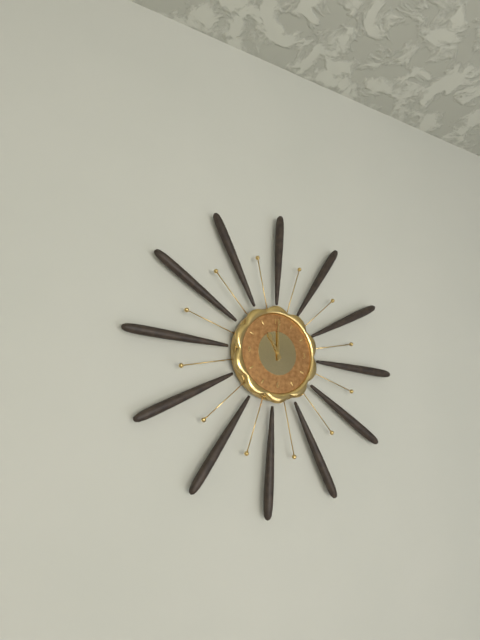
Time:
11.00
